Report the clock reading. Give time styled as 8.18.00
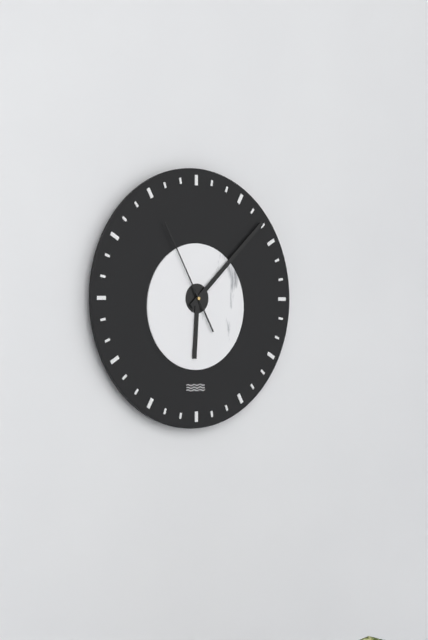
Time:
6.08.55
